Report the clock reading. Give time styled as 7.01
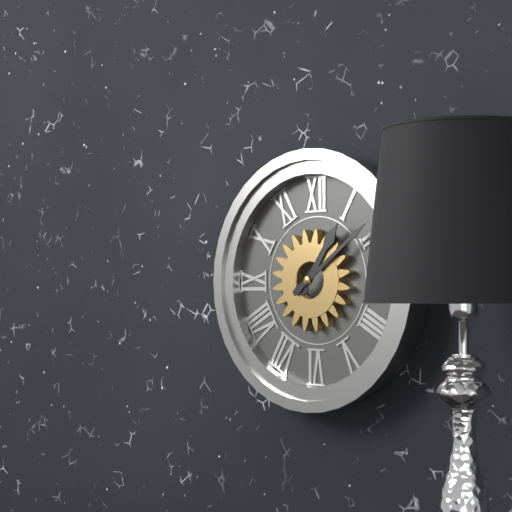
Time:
1.09
